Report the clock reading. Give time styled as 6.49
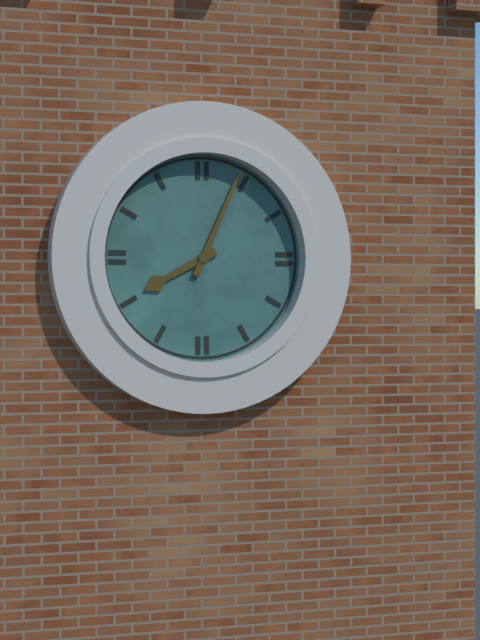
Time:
8.04
